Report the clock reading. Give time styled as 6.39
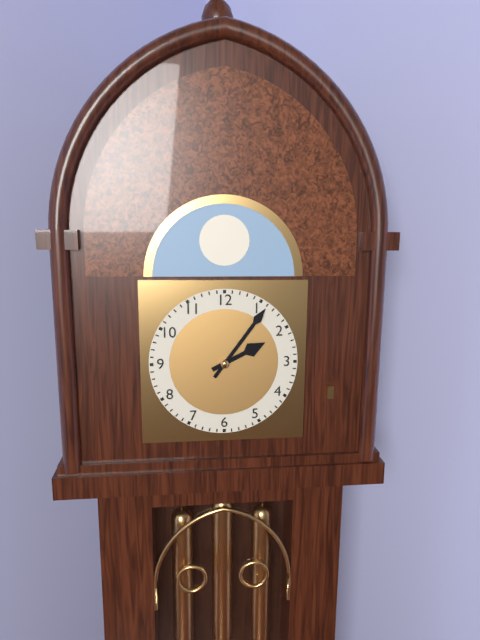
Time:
2.06
